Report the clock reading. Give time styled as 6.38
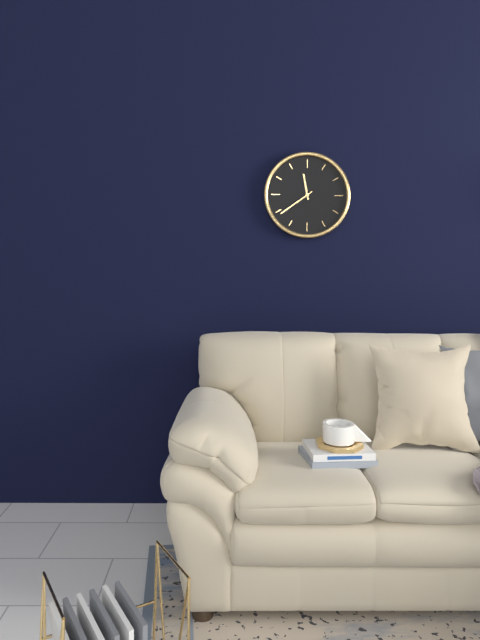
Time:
11.39
